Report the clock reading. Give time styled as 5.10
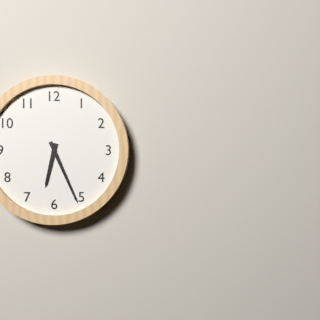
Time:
6.26
